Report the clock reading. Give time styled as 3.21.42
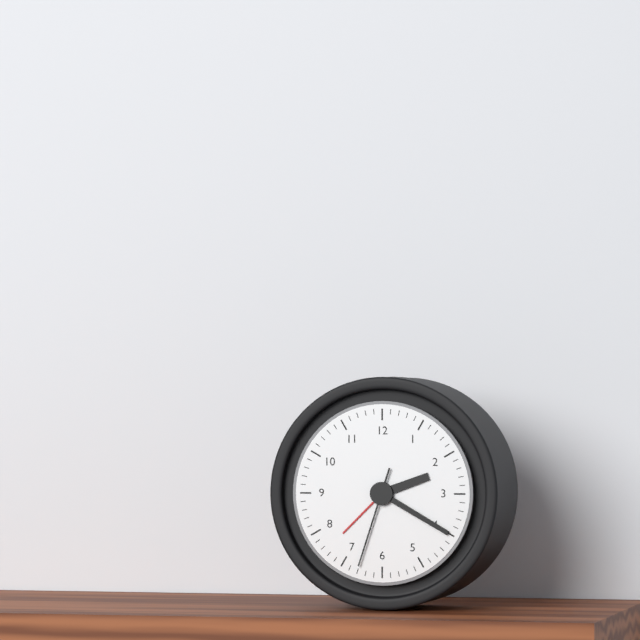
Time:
2.20.33
